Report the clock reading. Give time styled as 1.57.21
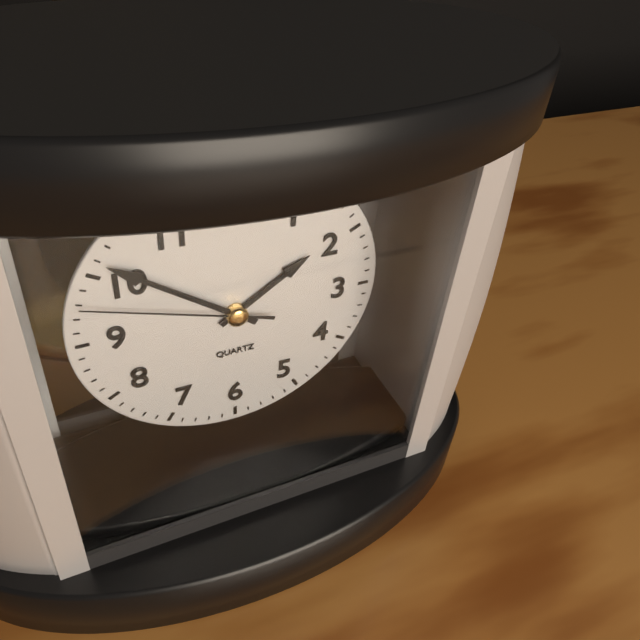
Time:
1.51.48
